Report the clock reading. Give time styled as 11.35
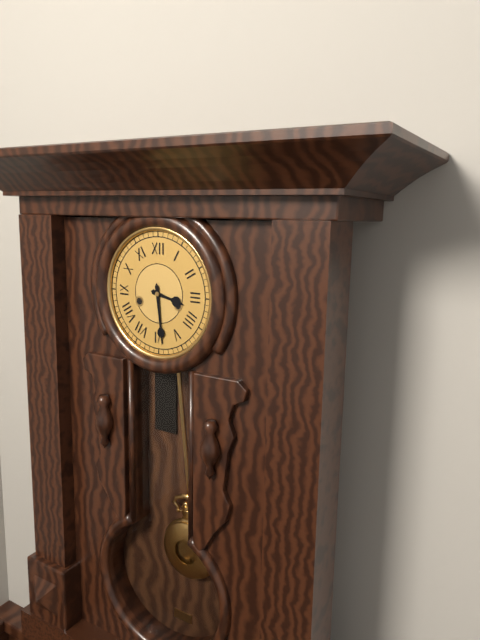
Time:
3.29
